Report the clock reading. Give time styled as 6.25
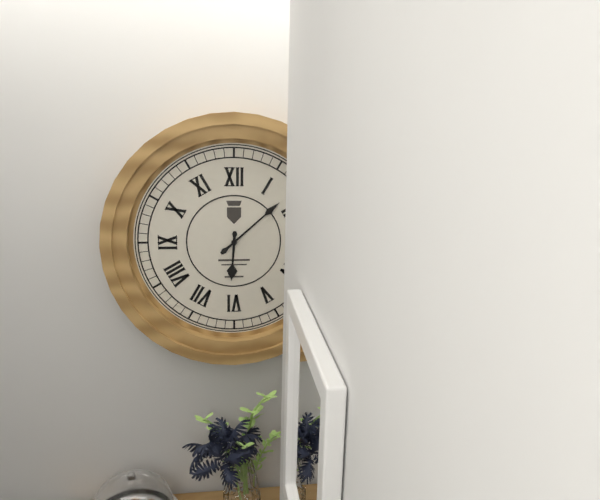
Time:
6.08
